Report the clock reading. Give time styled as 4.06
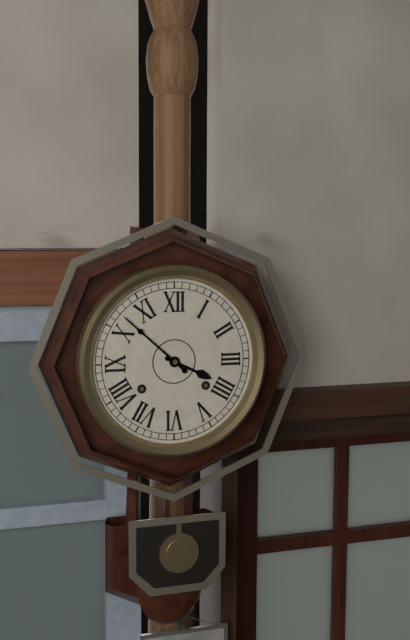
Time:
3.52
